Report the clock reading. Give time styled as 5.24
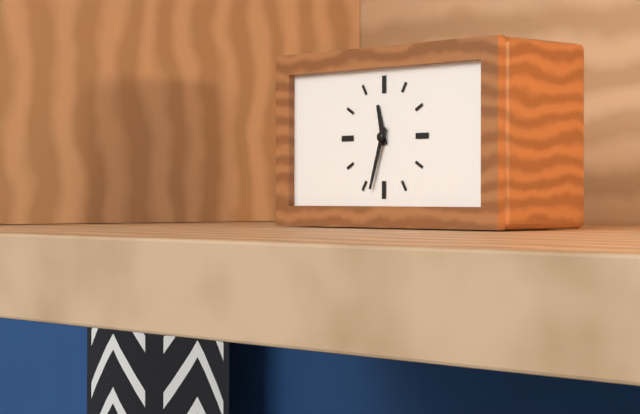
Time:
11.33
